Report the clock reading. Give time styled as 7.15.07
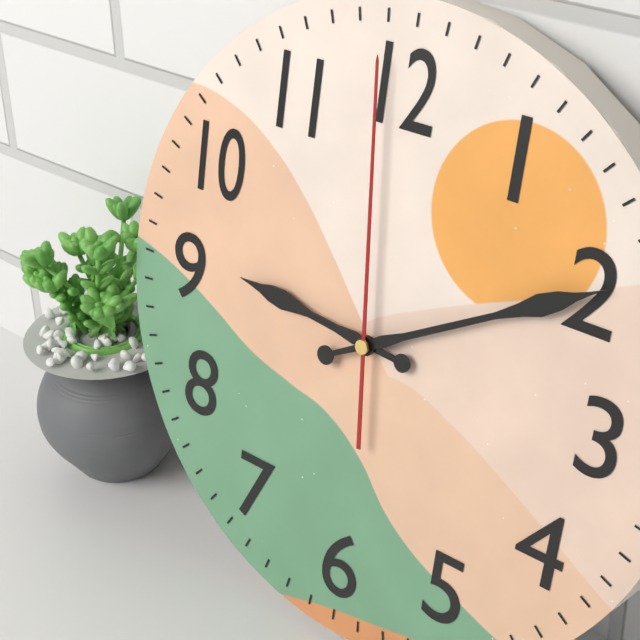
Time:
9.10.59
